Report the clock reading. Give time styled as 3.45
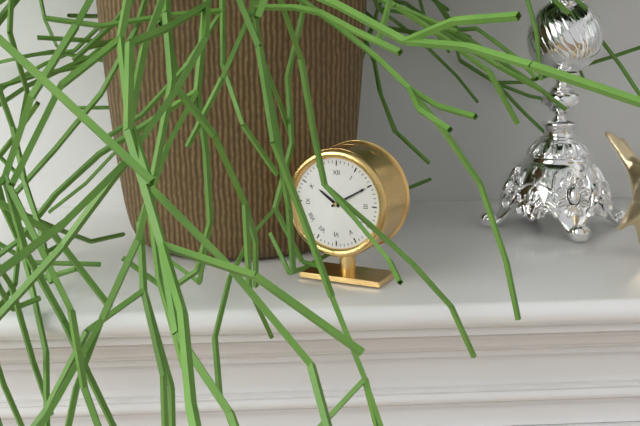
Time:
10.10
